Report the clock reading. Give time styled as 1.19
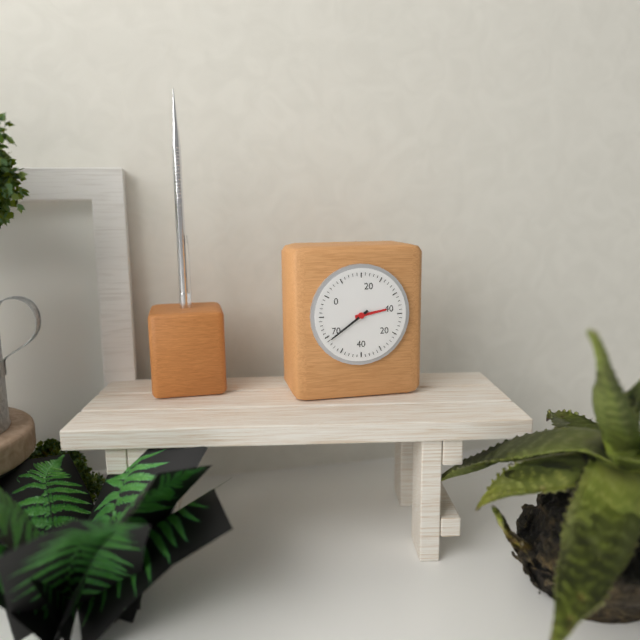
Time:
2.39
